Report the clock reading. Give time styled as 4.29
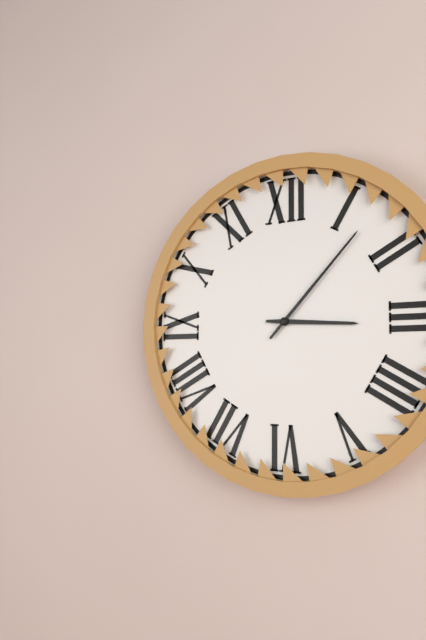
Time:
3.07
